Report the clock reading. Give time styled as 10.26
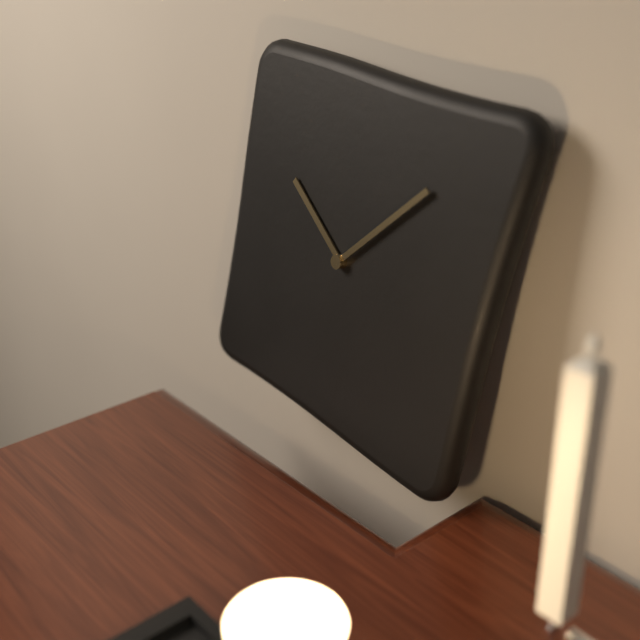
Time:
10.07
